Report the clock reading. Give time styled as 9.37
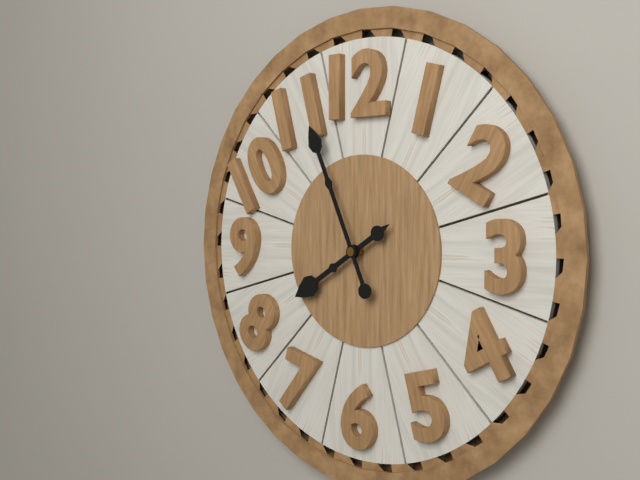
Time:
7.56
